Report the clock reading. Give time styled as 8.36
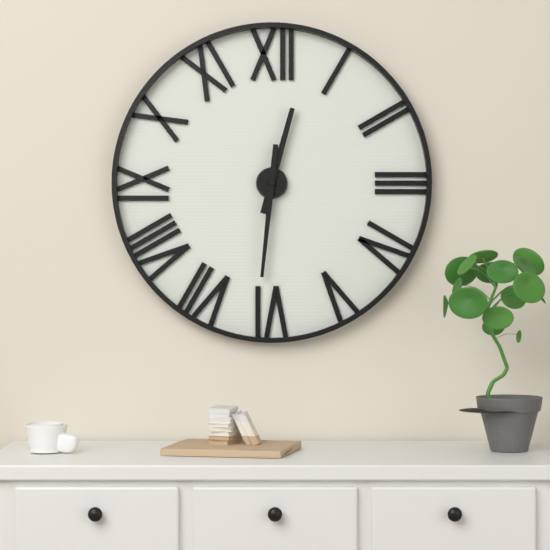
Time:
12.31
